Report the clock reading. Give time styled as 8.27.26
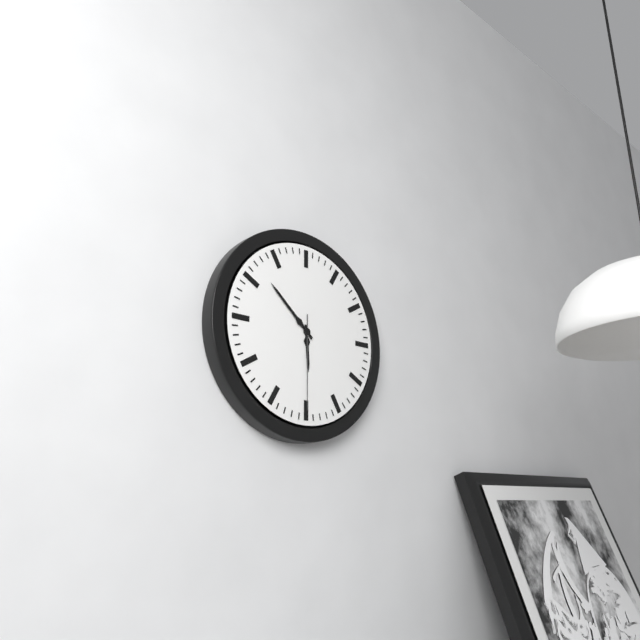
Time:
5.52.30
